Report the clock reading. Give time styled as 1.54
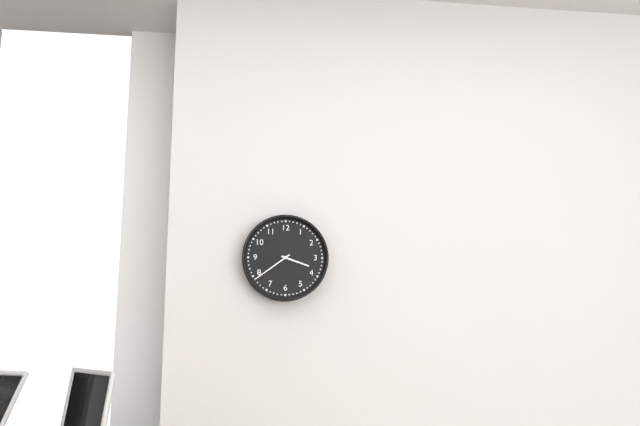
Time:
3.39
